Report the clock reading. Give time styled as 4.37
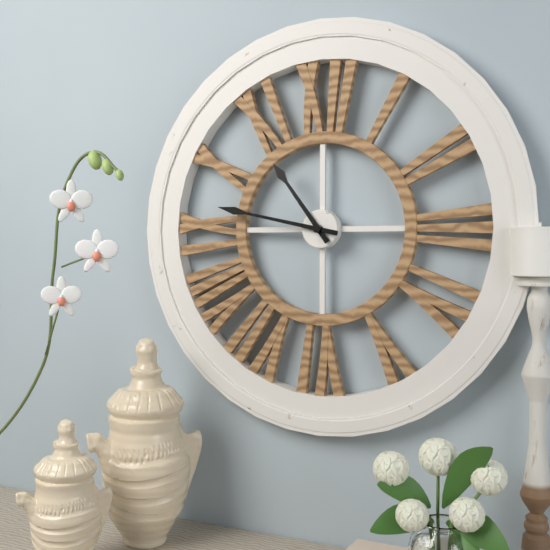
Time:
10.47
